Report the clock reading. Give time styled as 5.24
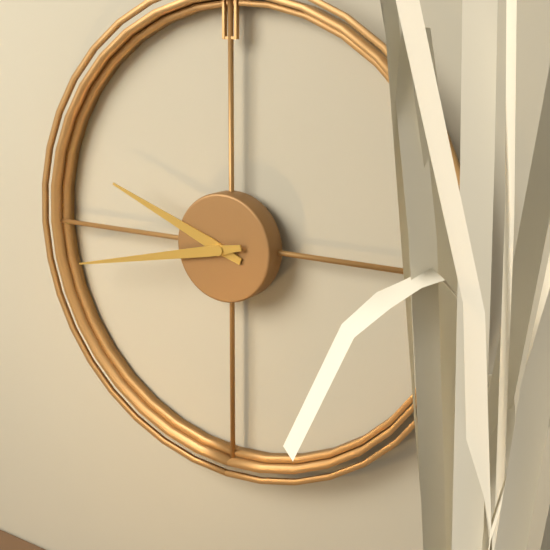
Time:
9.43
